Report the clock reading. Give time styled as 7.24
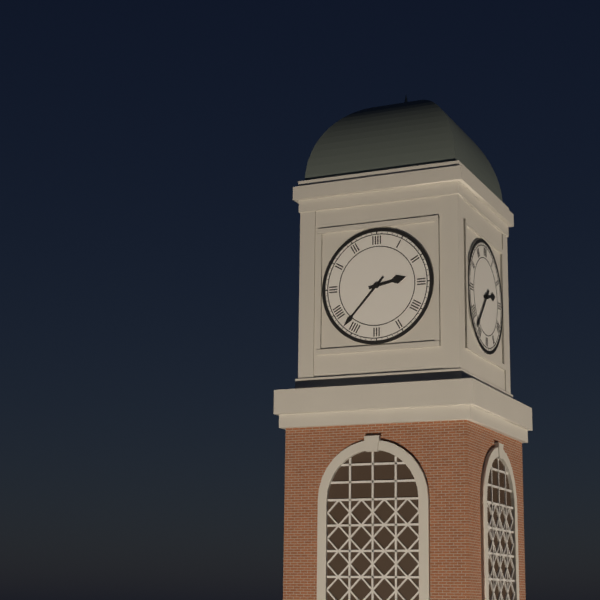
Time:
2.37
